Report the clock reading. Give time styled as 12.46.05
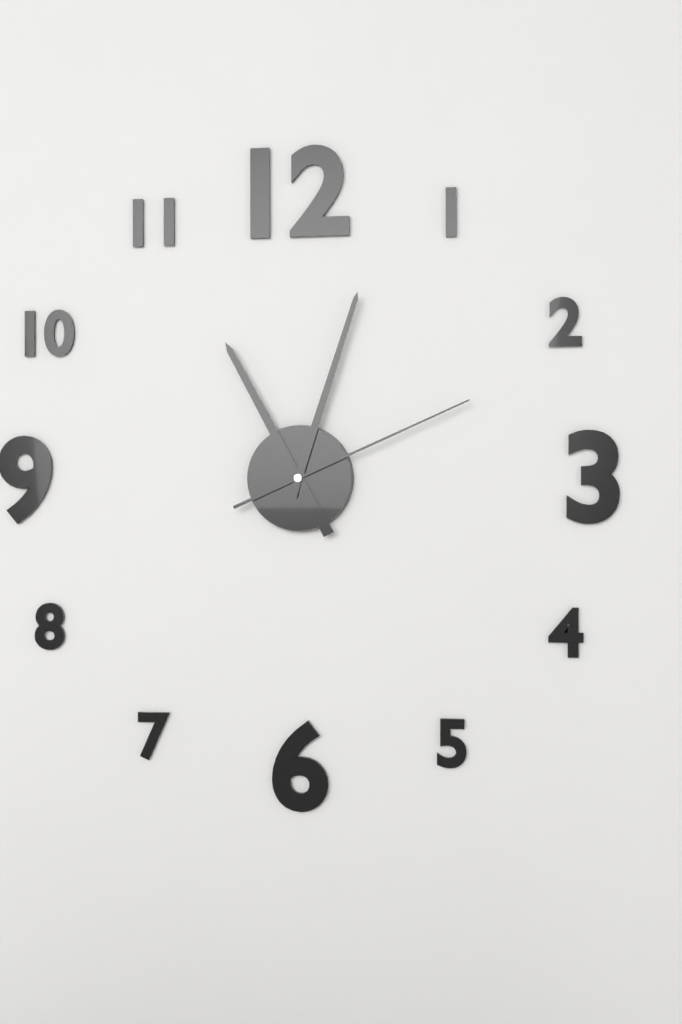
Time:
11.03.11
